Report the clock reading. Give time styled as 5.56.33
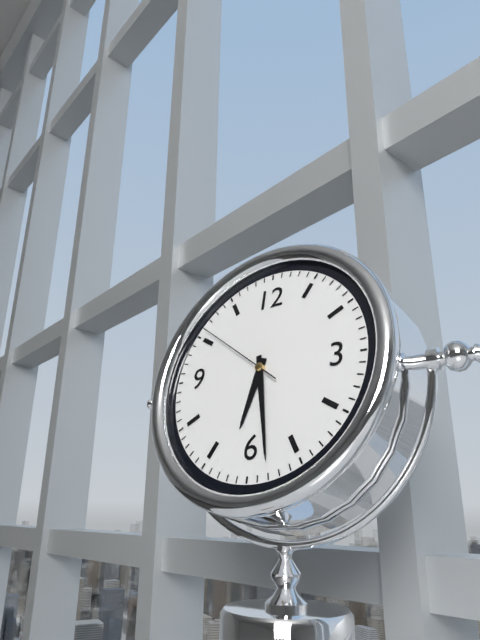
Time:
6.28.51
